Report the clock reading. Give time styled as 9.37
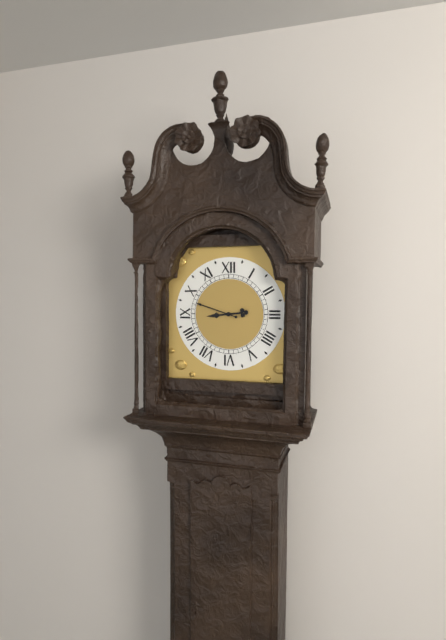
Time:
8.48
